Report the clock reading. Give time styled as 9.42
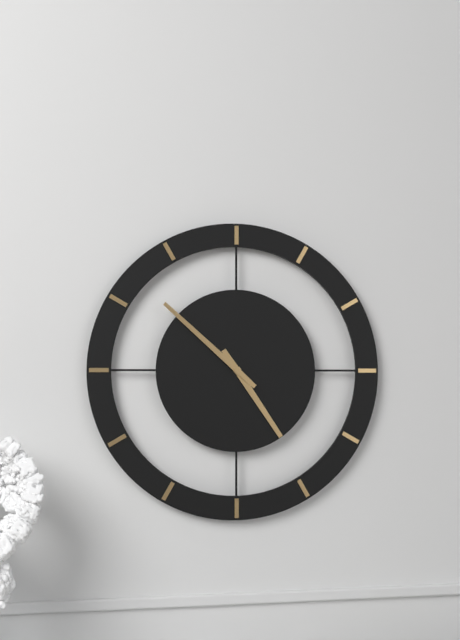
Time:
4.52
